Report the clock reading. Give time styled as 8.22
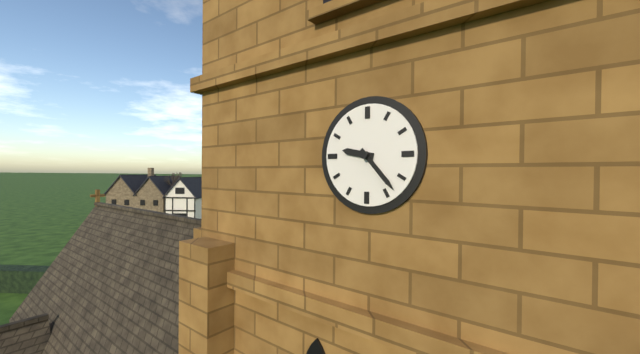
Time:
9.23
